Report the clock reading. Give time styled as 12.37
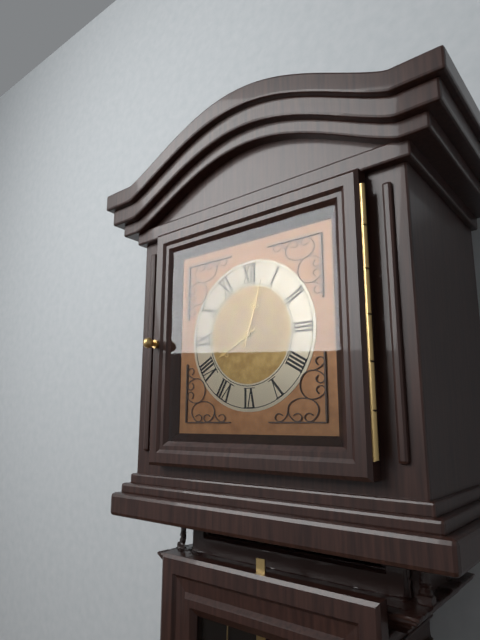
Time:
8.03
